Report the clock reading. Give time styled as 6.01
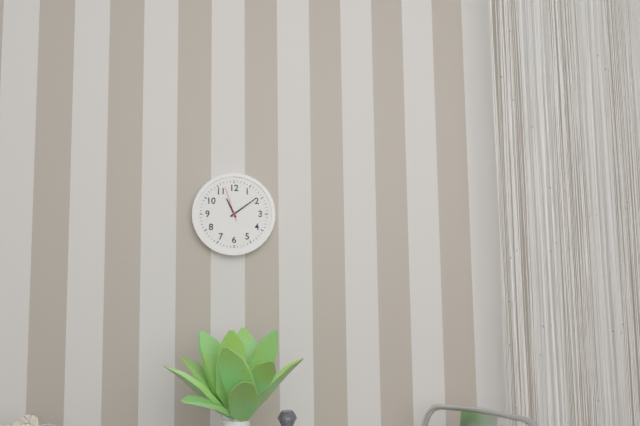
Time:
11.09
